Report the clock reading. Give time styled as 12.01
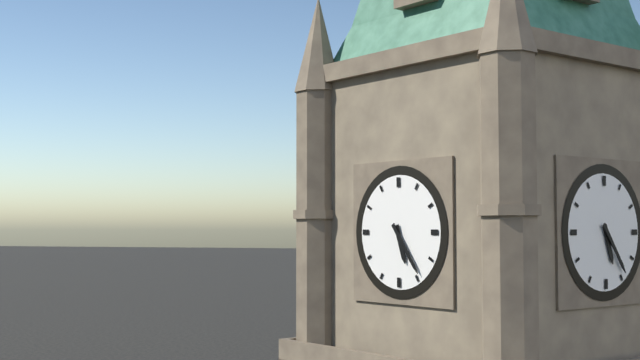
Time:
5.24
